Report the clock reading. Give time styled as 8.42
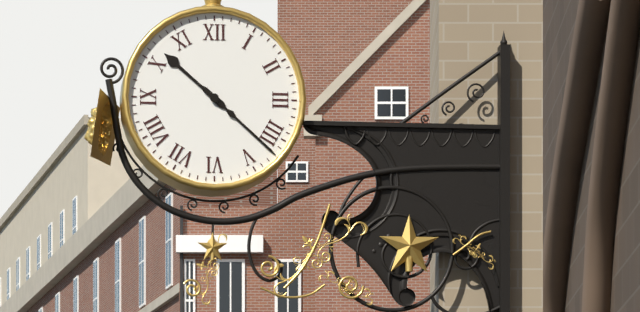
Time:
10.22
